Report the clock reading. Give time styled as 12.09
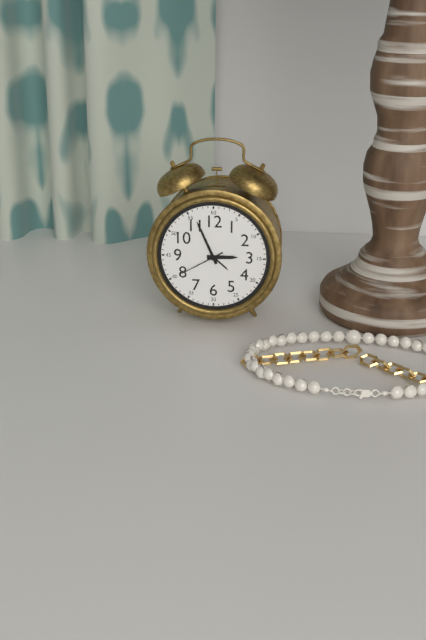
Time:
2.56
